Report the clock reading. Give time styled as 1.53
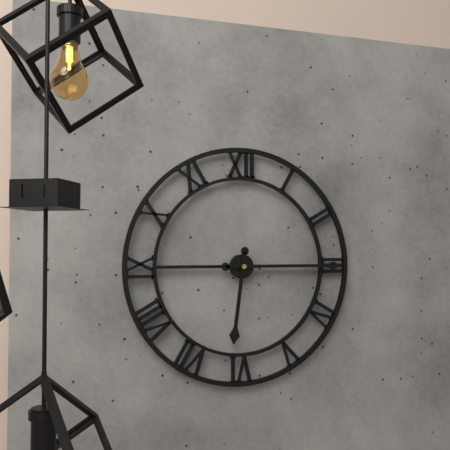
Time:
6.15
